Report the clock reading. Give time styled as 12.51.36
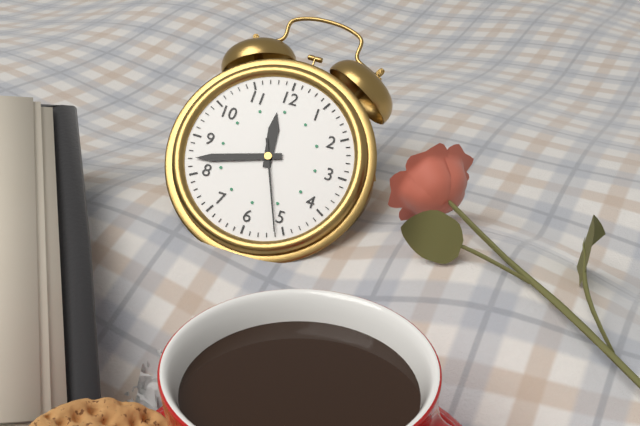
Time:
11.42.26
